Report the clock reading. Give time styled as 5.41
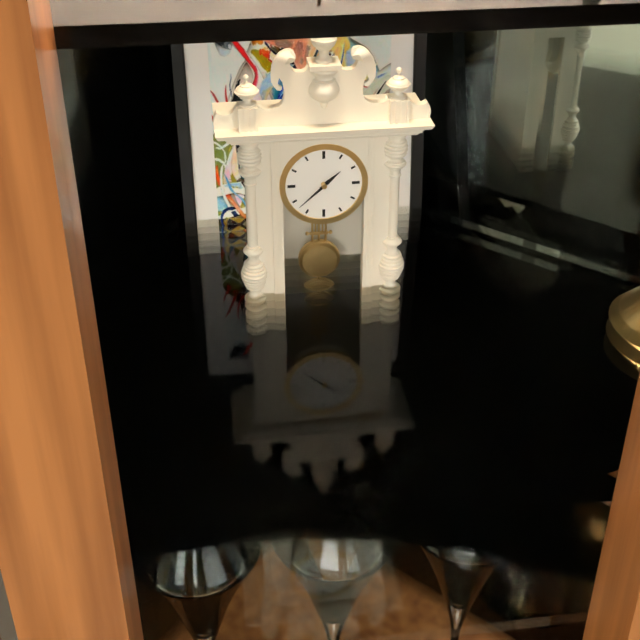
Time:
1.38
